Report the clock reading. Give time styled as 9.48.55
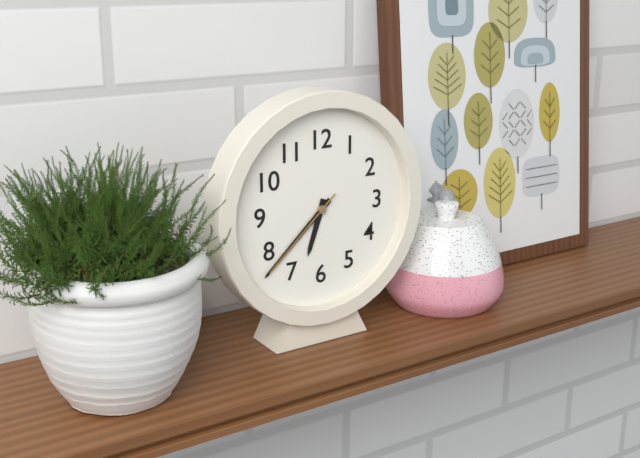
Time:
6.38.38
